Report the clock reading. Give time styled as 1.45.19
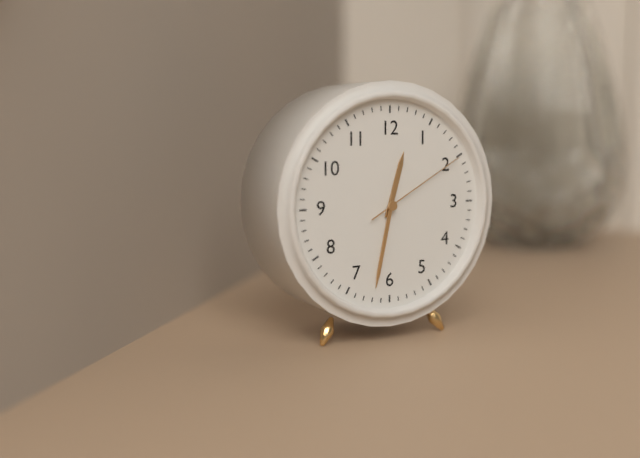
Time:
12.32.10
